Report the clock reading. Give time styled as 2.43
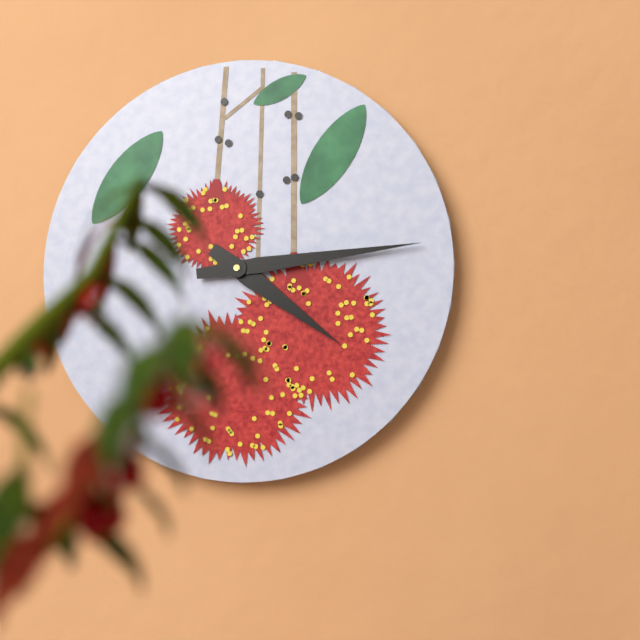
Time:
4.14
